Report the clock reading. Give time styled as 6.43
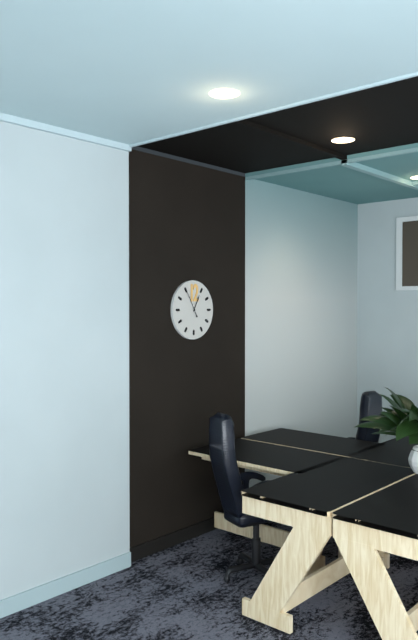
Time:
12.55
